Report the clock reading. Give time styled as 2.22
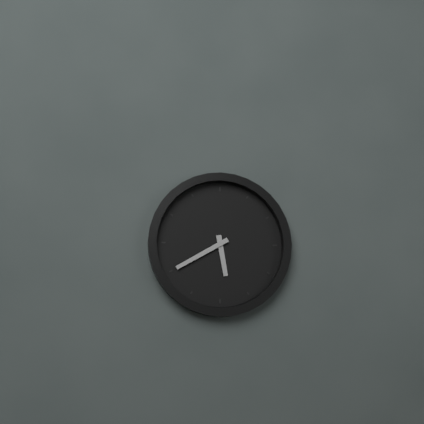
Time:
5.40
